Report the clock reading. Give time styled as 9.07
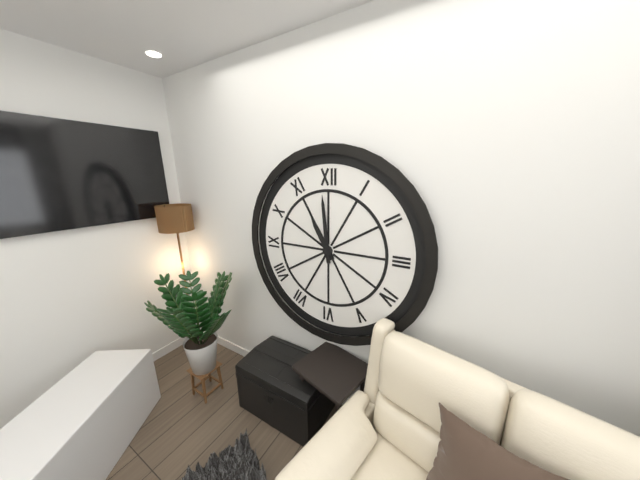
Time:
10.59
